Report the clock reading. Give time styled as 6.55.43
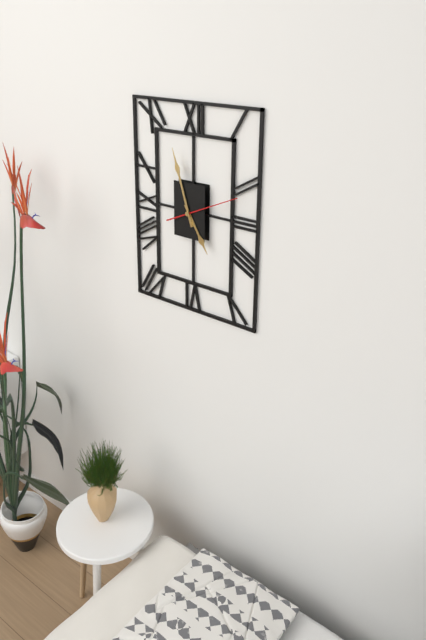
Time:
4.57.11
